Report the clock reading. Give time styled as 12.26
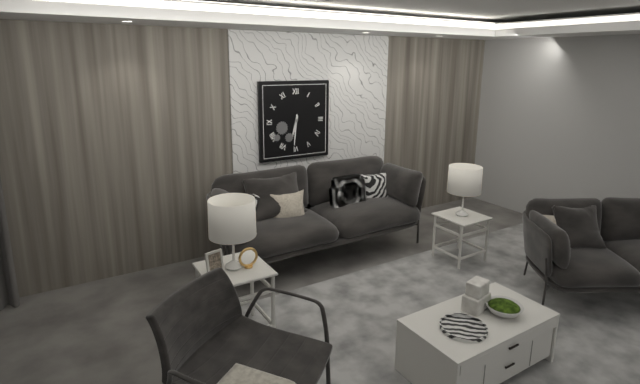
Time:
6.31
